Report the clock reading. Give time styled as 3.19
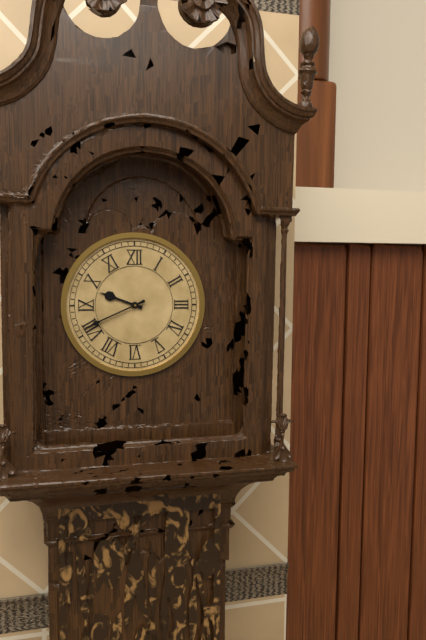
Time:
9.41
